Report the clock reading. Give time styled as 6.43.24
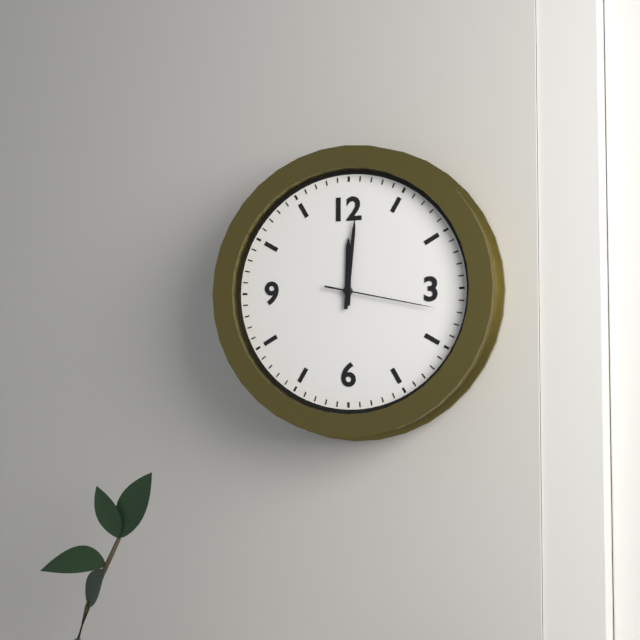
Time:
12.01.17
